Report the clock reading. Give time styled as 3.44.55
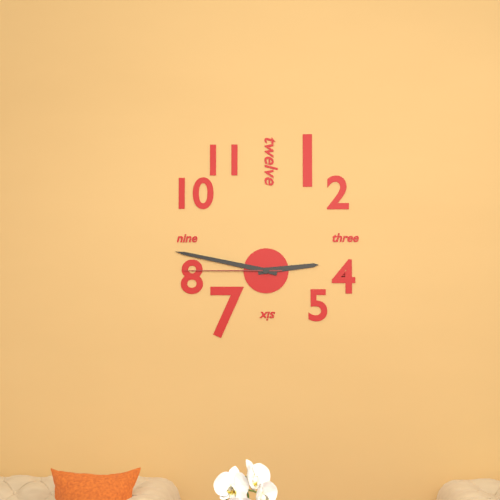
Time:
2.47.45
